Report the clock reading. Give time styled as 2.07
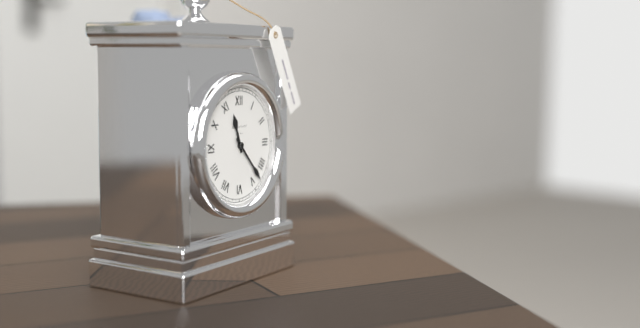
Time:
11.23
